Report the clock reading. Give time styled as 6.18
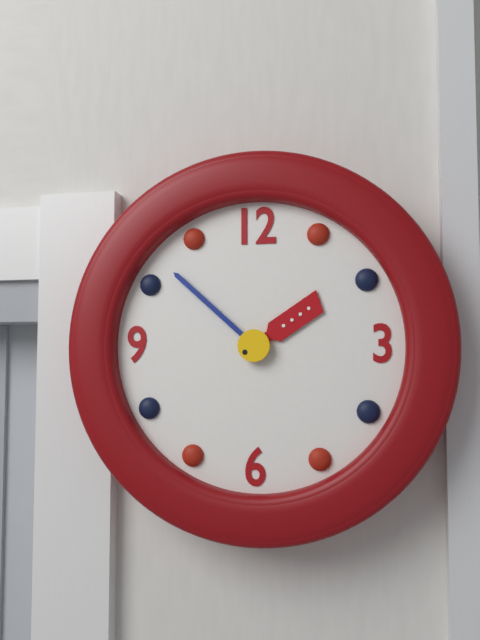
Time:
1.52
